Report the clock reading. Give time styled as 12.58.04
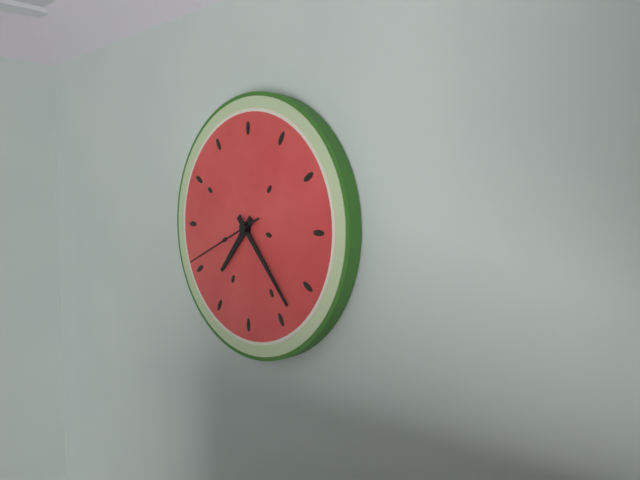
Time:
7.23.41
